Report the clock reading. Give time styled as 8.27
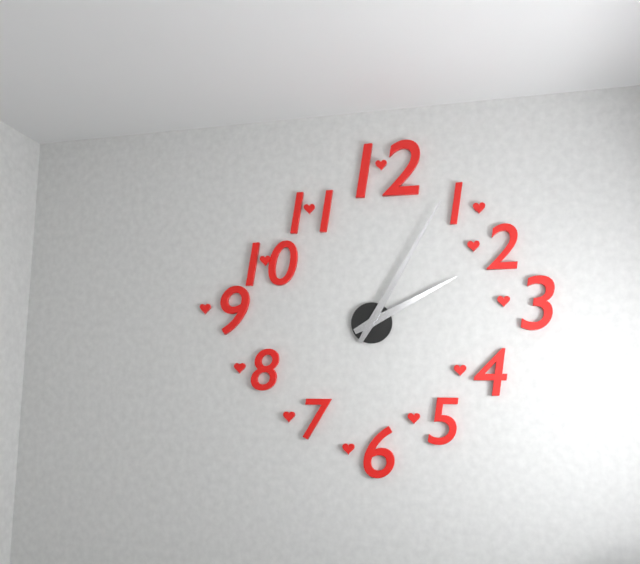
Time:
2.05
